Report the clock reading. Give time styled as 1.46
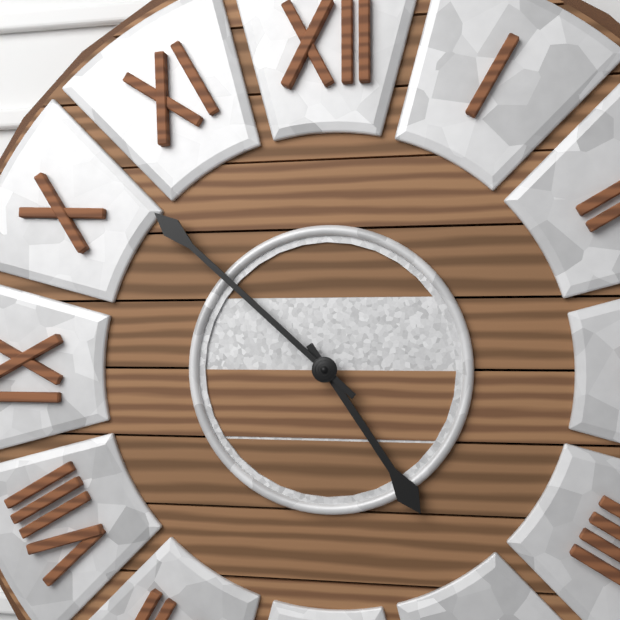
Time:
4.52
